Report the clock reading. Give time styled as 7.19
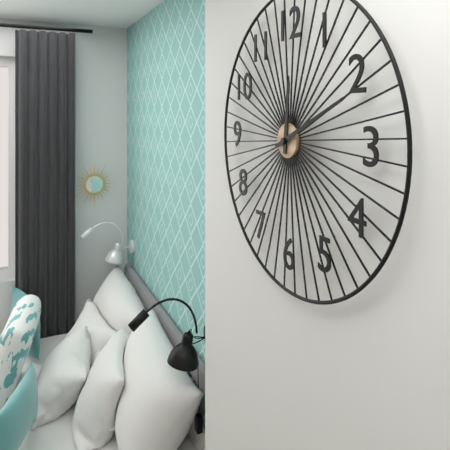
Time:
12.11
